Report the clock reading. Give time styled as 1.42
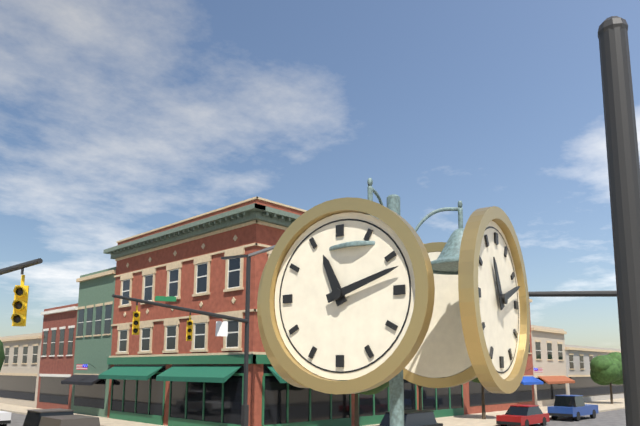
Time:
11.12
